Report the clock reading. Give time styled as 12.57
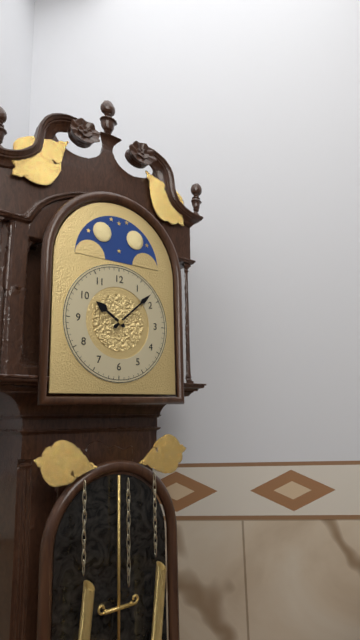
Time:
10.08
